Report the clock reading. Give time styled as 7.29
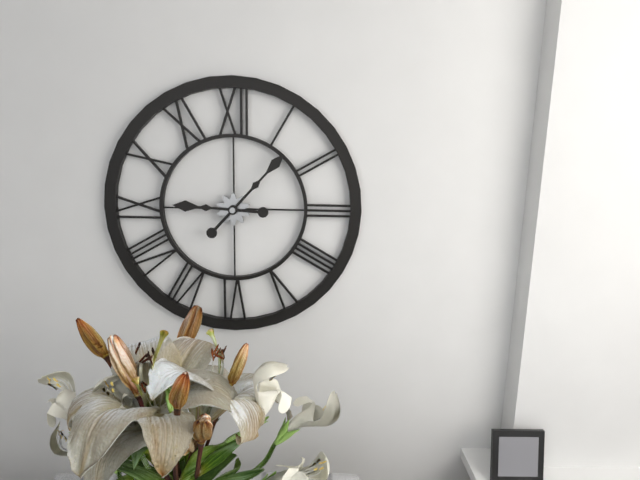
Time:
9.07
